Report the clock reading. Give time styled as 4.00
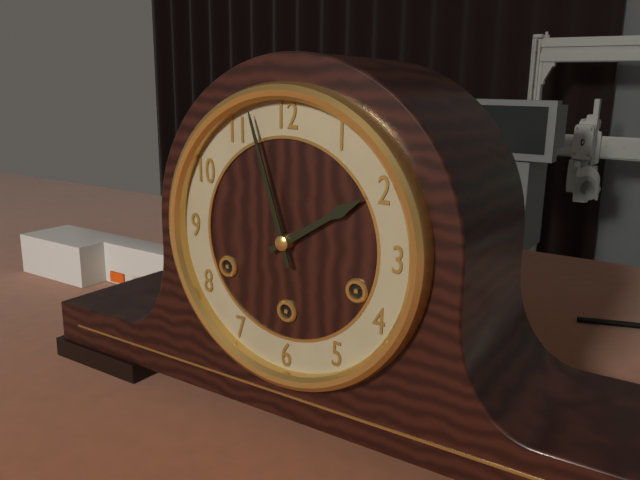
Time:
1.57
